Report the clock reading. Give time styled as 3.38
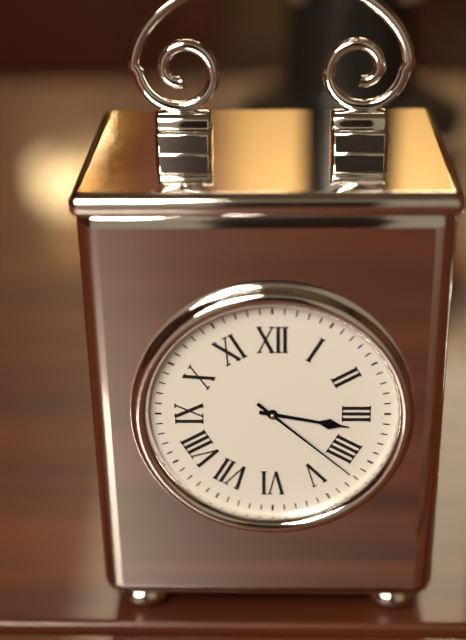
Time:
3.22
